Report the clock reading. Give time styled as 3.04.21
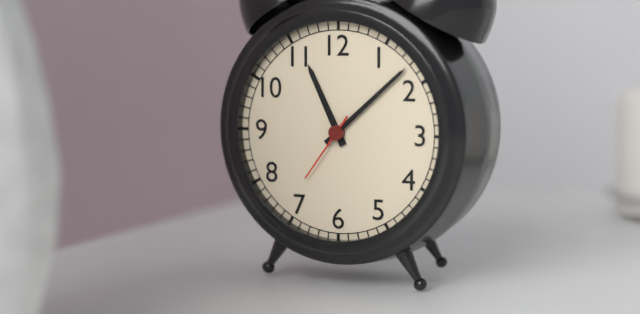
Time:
11.08.36
